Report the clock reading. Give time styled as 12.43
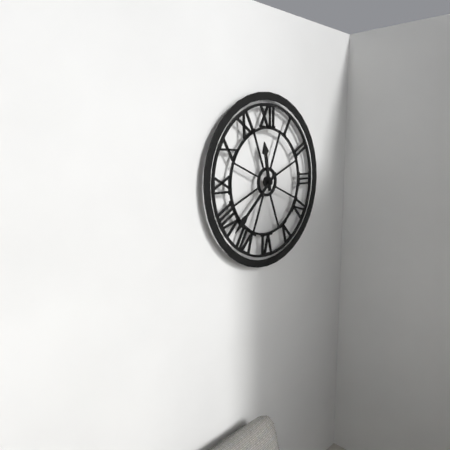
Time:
11.38
